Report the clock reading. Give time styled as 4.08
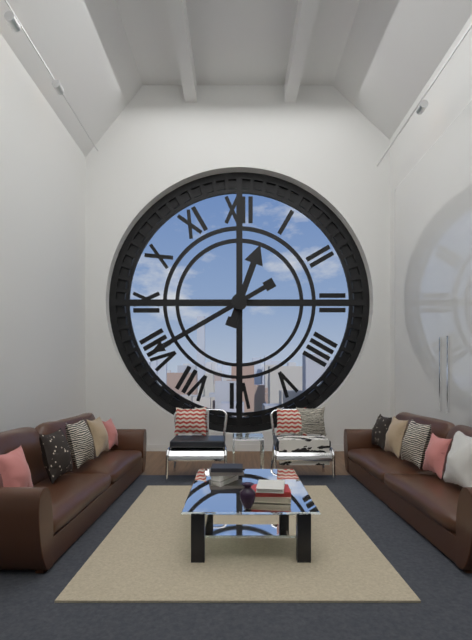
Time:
12.40
